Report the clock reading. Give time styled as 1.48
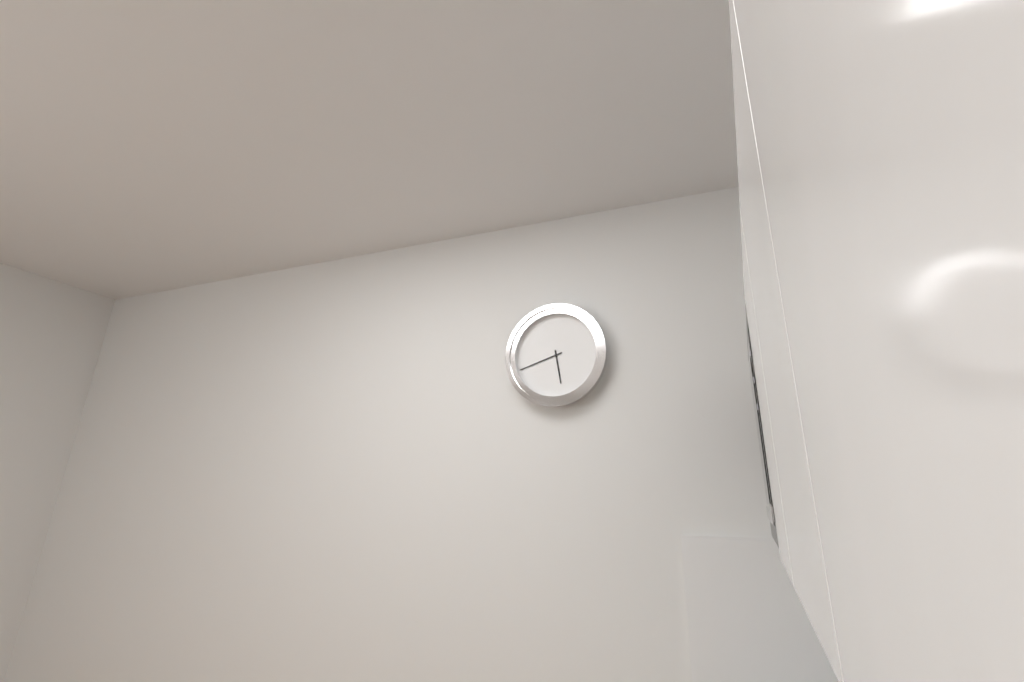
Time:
5.42
